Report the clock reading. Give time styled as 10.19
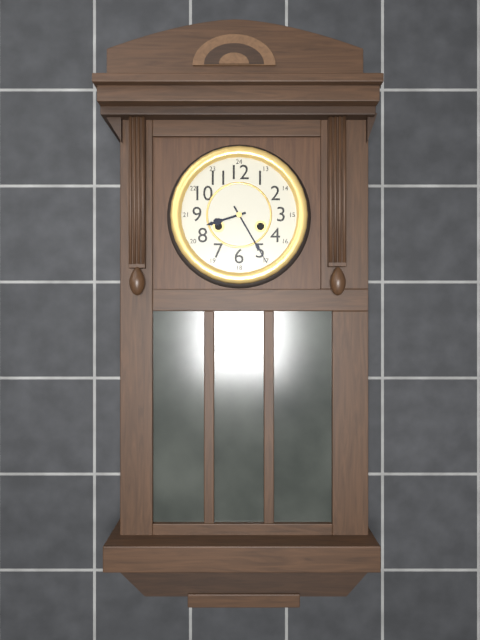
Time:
8.25
